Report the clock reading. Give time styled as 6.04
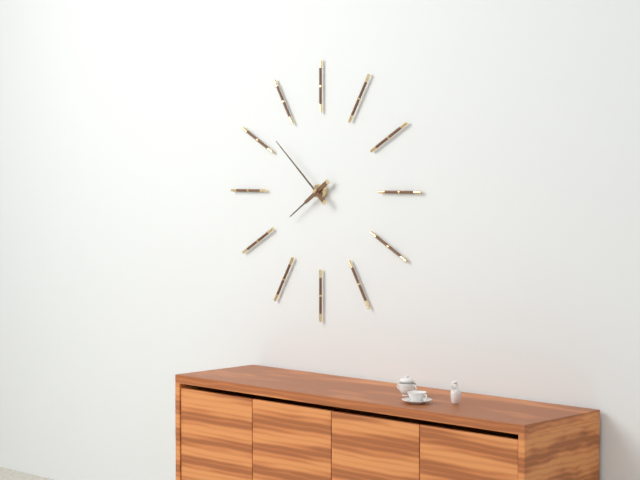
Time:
7.52
